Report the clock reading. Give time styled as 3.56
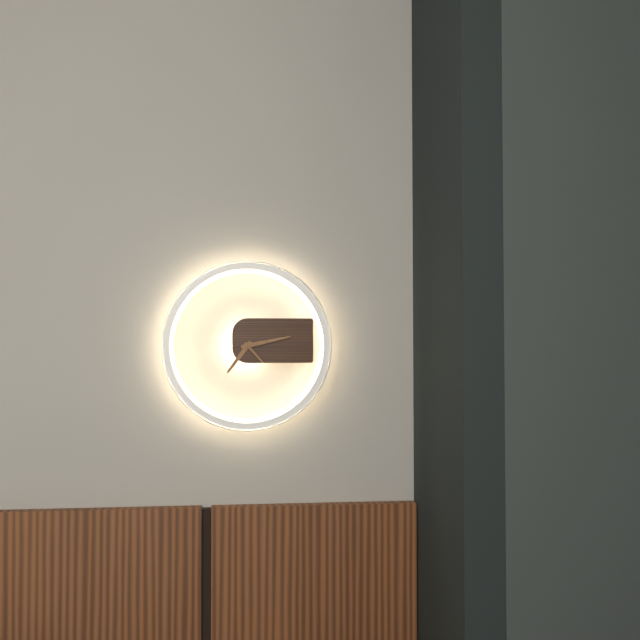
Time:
7.13
